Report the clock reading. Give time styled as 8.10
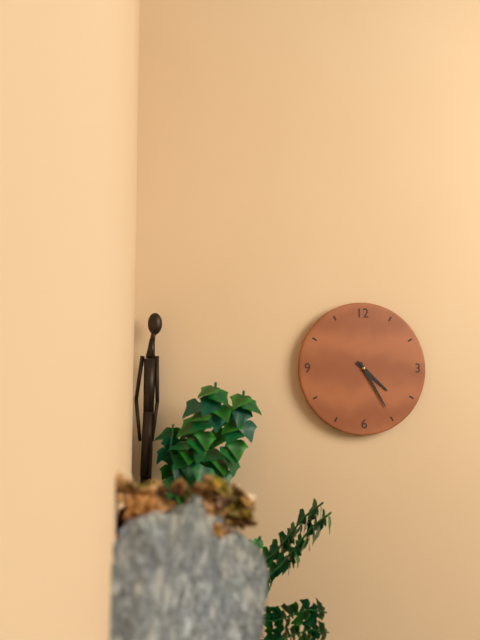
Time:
4.25
